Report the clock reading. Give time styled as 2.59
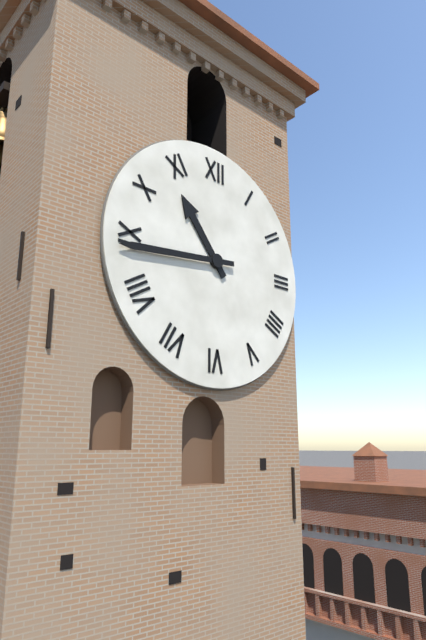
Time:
10.44
